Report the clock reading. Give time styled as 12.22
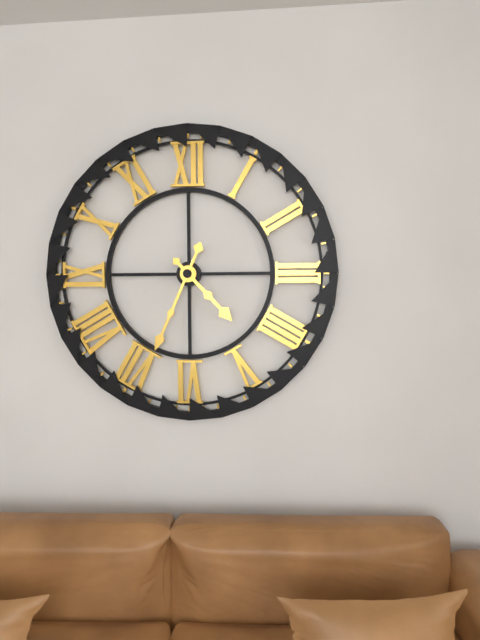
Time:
4.34
